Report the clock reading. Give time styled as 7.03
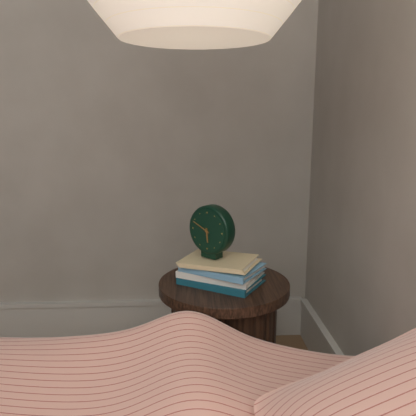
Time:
5.49
